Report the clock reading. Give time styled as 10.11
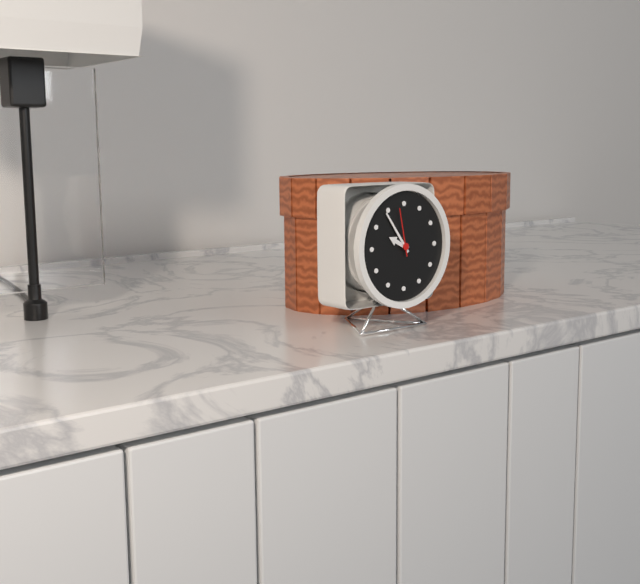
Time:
9.54
